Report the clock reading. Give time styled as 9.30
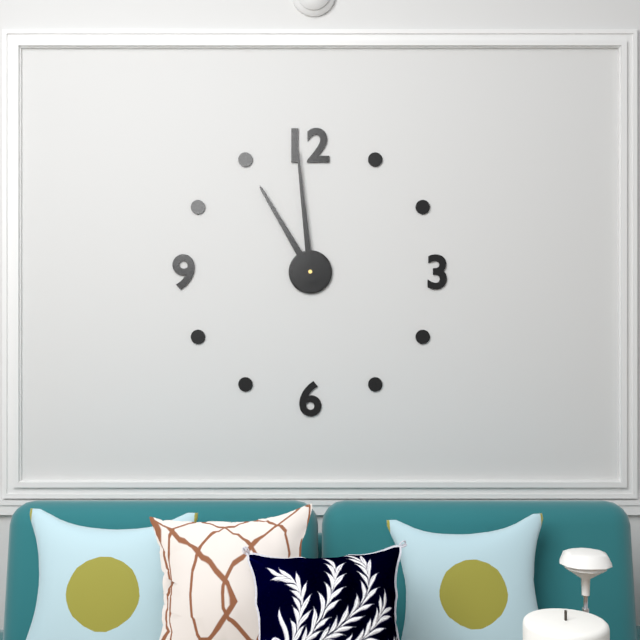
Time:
10.59
